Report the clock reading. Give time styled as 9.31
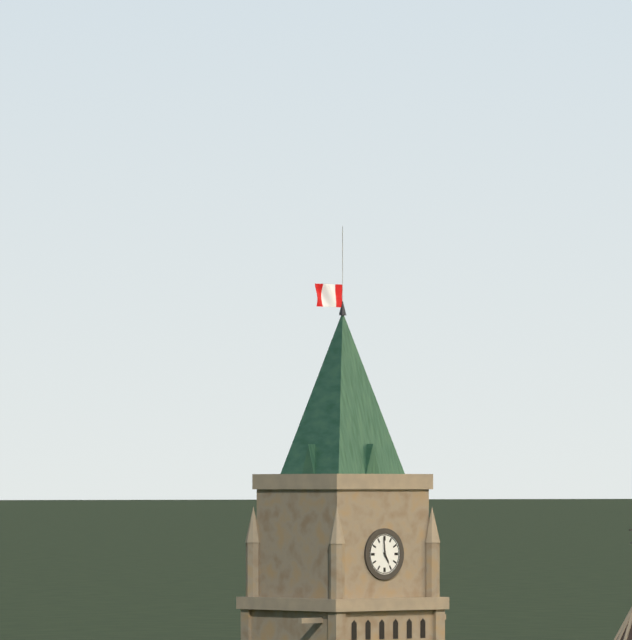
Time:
4.59
